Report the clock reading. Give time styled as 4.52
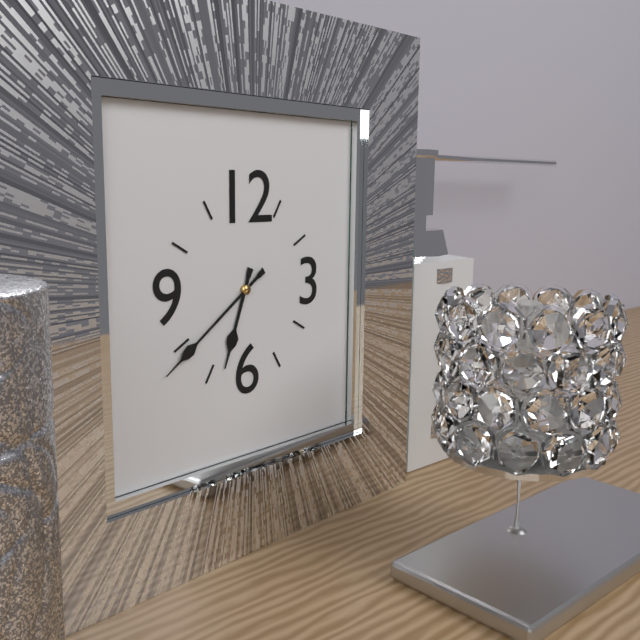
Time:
6.39
